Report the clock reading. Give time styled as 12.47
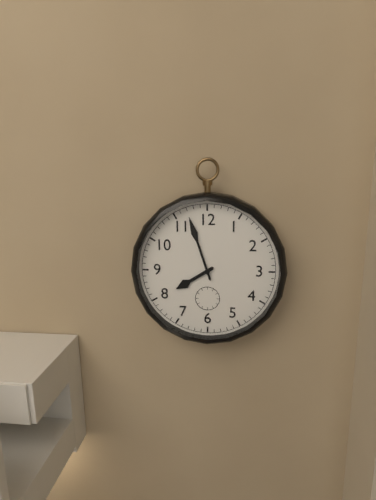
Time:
7.57
